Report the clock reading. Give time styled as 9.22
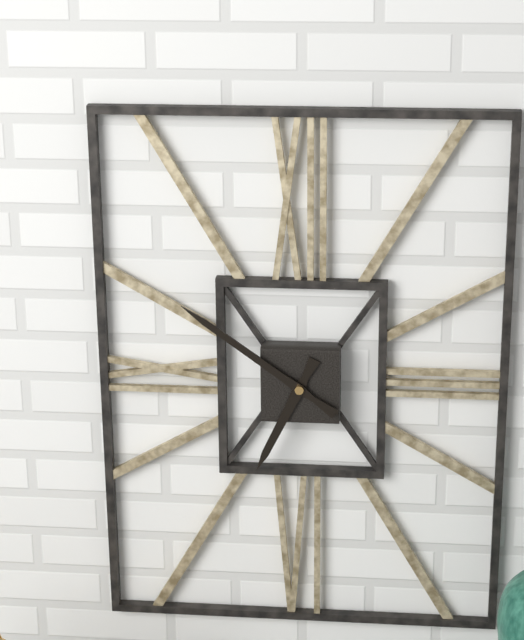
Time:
6.51
